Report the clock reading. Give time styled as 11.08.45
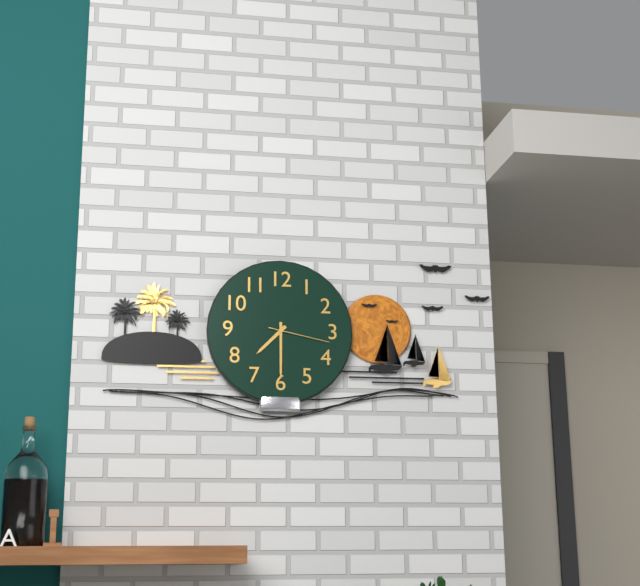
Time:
7.30.17
